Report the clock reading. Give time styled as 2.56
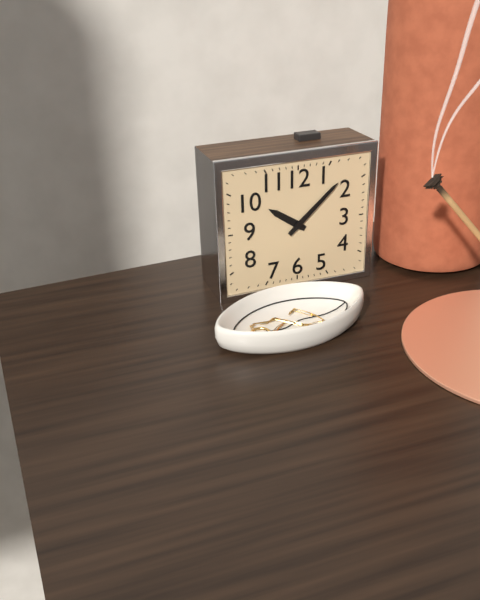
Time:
10.08
